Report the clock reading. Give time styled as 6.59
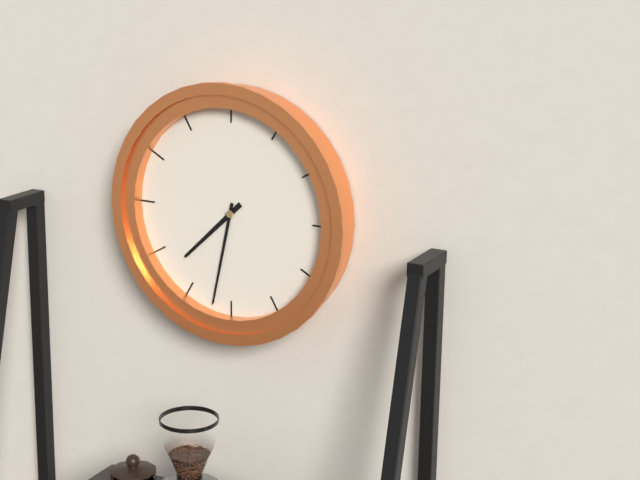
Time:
7.32
